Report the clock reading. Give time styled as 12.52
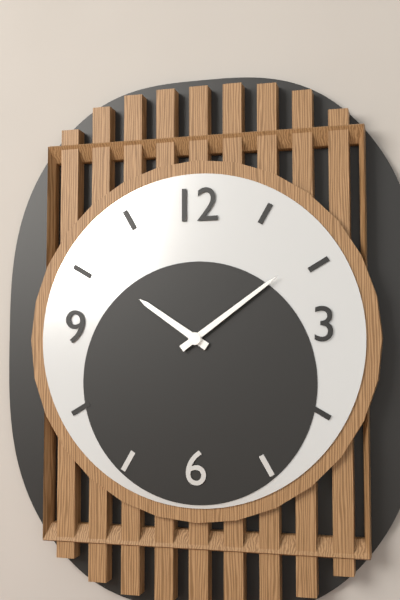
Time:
10.09
